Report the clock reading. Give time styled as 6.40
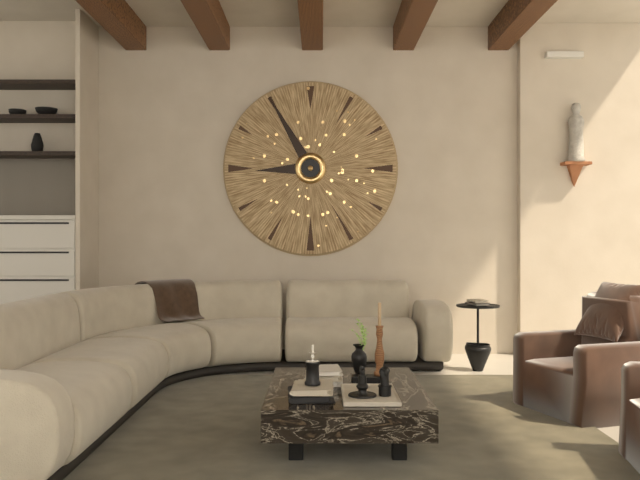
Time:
8.55
